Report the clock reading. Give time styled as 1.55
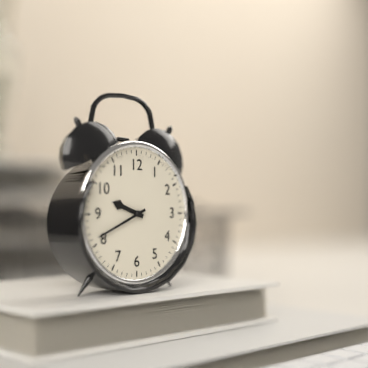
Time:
9.41
